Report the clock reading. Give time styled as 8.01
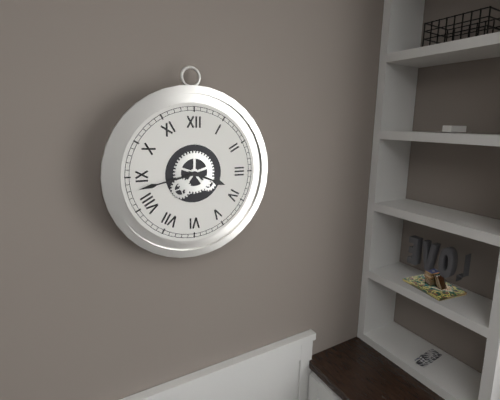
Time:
3.43
